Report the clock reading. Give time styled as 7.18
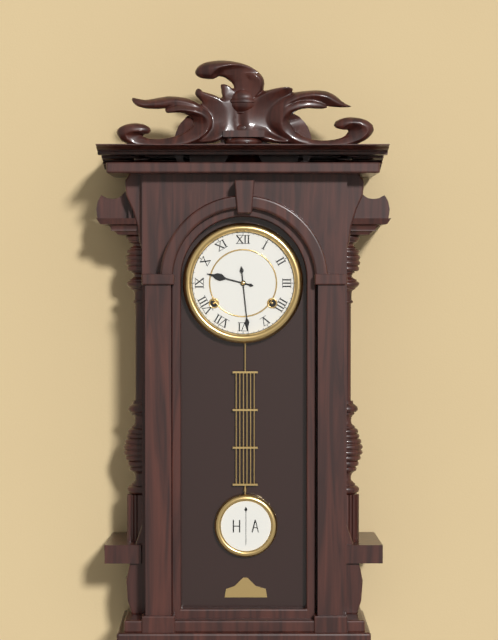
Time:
9.29
